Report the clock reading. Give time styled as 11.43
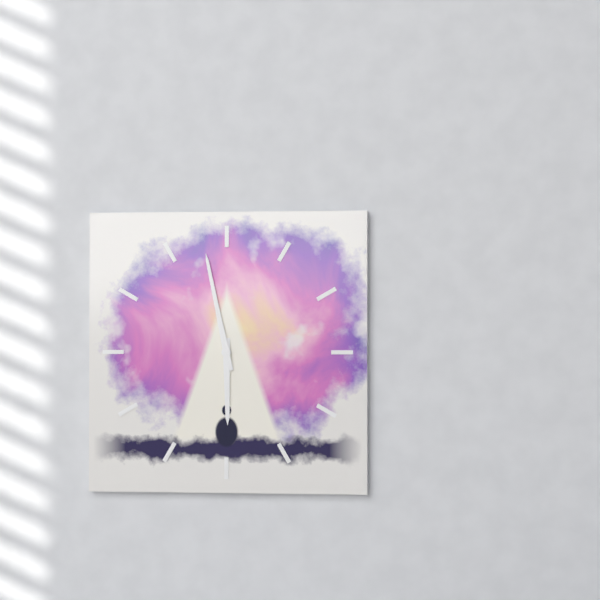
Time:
5.58
